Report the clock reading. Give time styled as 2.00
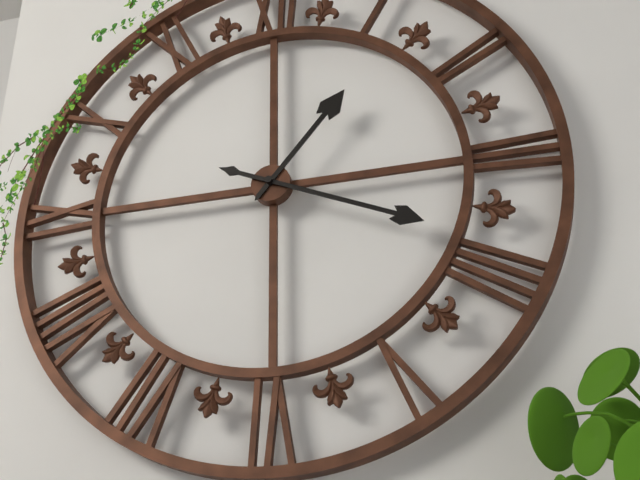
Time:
1.19
